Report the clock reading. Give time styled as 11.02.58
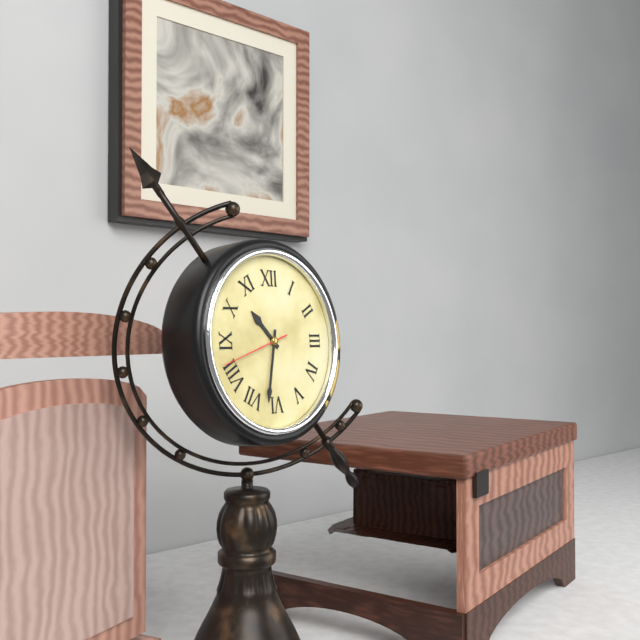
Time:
10.32.42
